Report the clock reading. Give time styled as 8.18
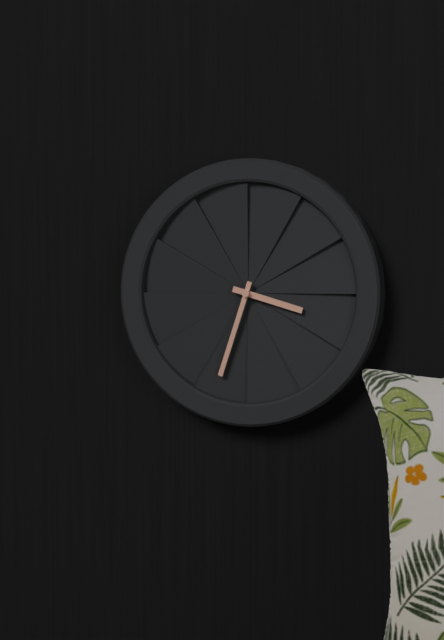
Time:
3.33
